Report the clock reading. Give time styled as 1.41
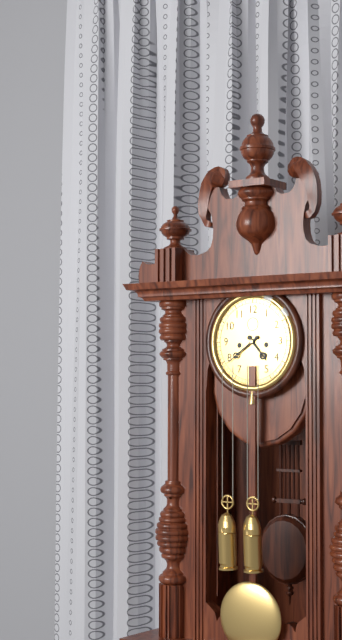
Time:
4.39
